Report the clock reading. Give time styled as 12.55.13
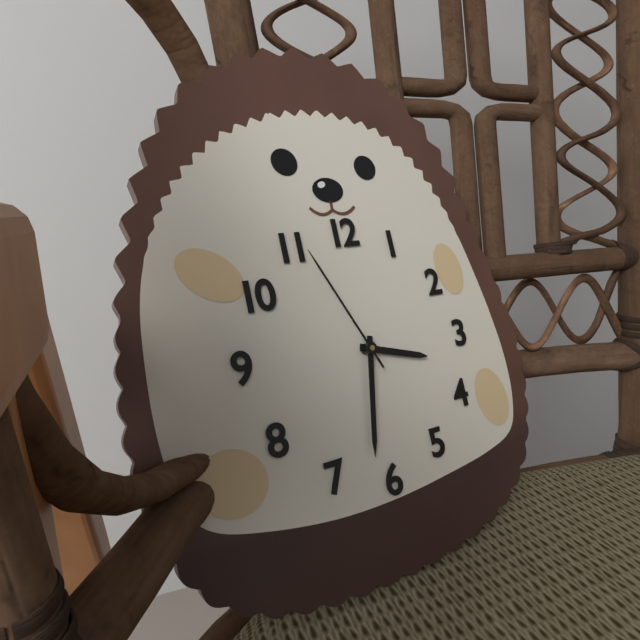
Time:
3.32.56
